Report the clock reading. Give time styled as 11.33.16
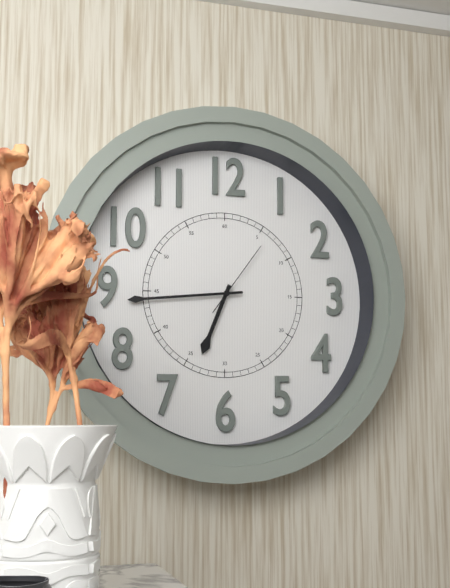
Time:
6.44.06
